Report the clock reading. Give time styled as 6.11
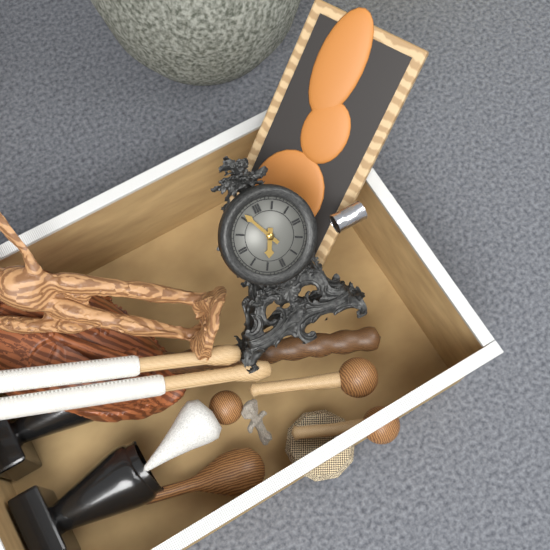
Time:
6.56
